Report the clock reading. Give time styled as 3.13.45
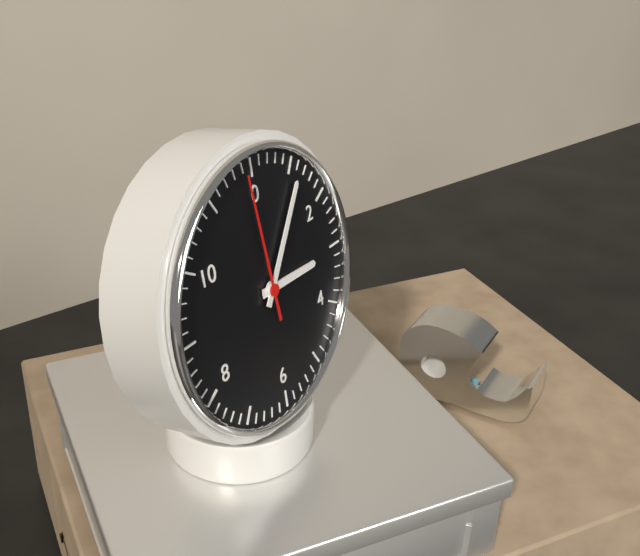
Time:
3.06.59
